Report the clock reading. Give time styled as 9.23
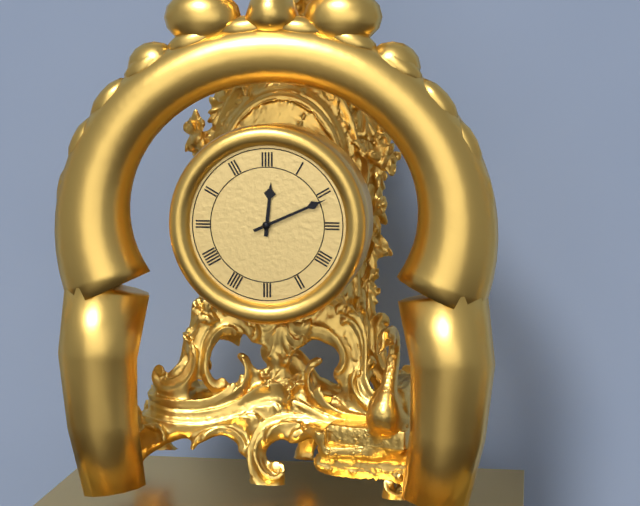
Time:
12.11
